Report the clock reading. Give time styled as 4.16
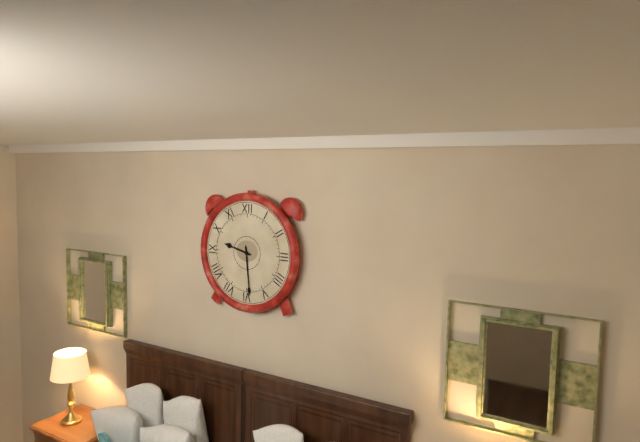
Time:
9.29
